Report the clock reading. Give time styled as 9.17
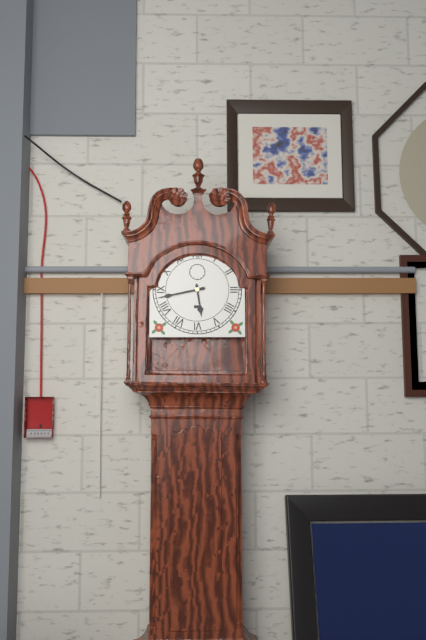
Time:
5.43
